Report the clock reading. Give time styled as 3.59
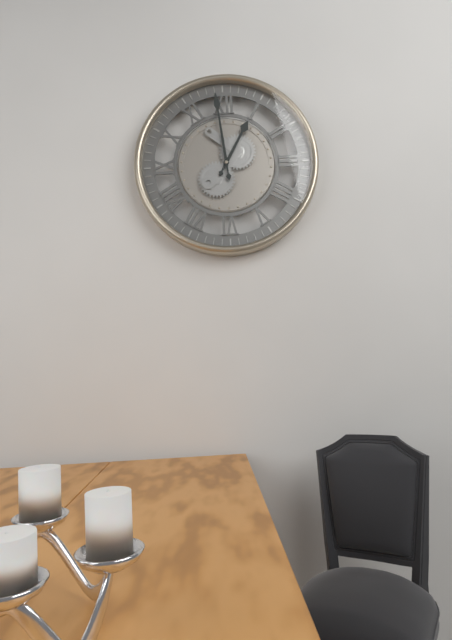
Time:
12.59
